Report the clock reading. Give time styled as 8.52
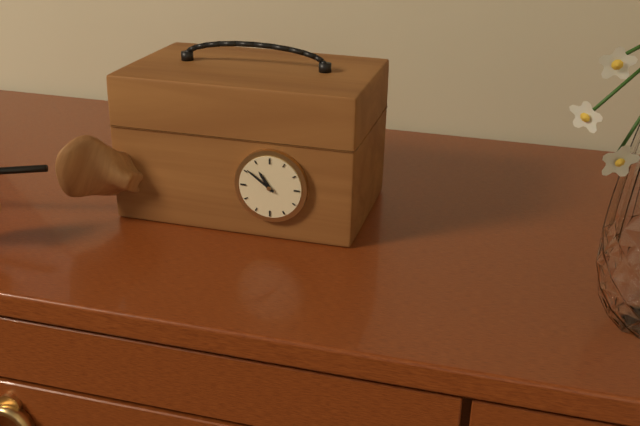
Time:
10.51
